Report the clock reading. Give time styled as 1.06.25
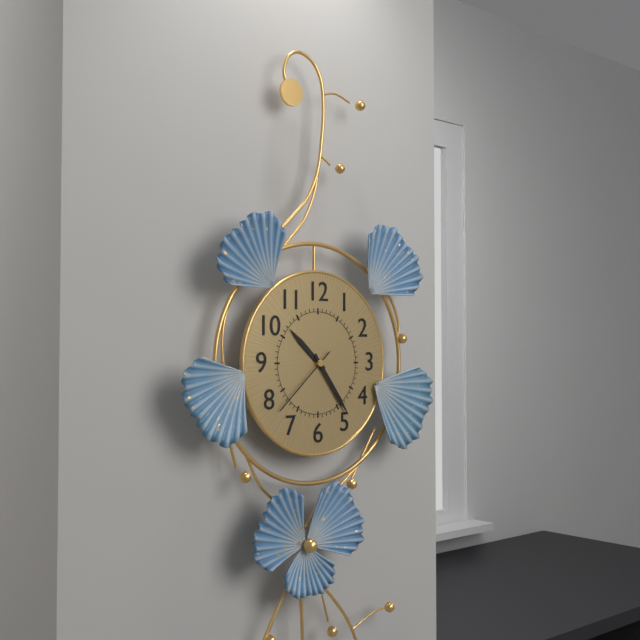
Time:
10.24.38
